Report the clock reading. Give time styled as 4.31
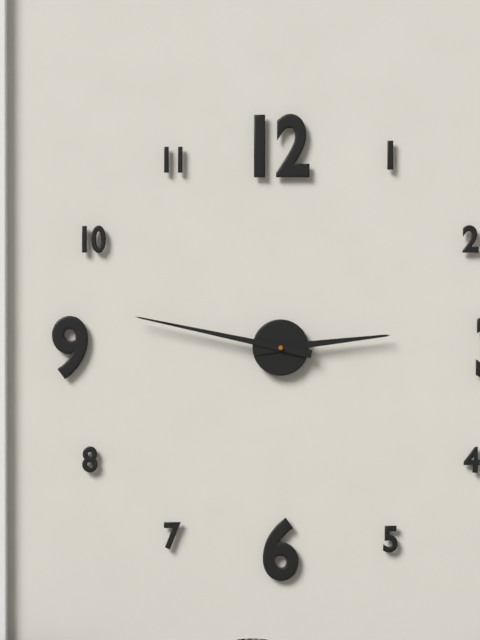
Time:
2.47
